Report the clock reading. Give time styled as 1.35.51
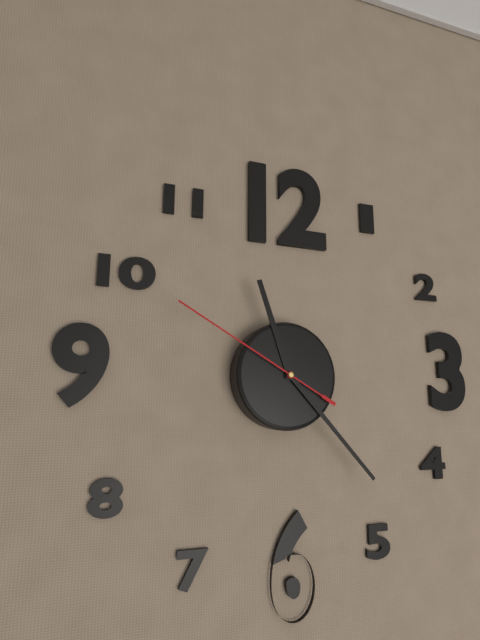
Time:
11.23.50
